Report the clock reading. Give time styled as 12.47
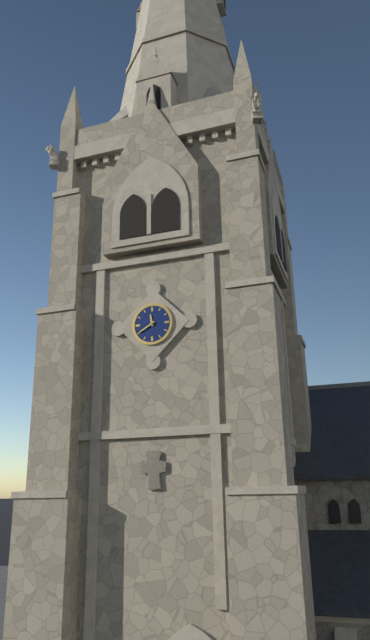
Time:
11.40
